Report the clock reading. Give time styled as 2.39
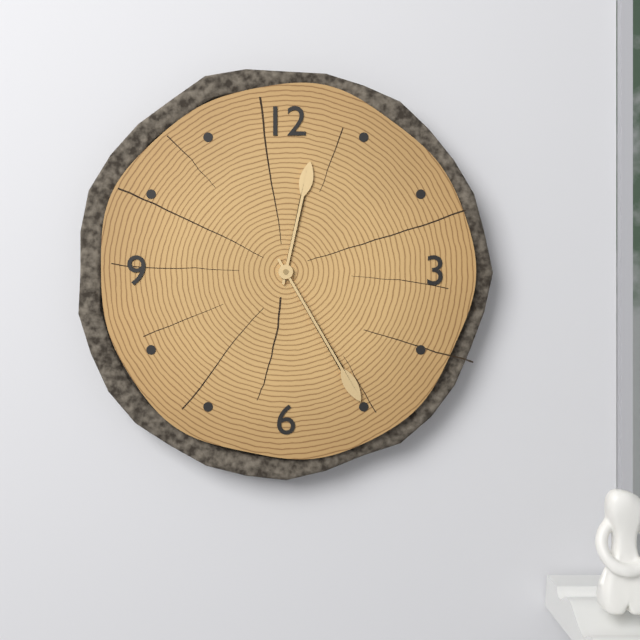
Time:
12.25
